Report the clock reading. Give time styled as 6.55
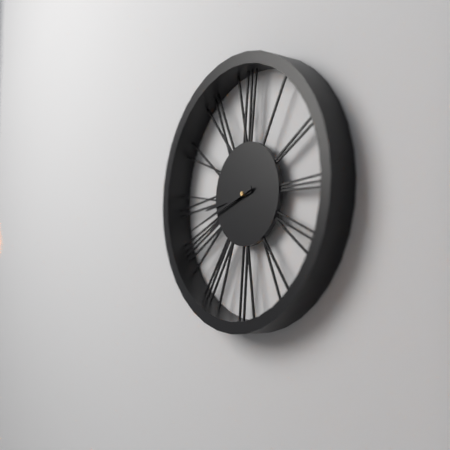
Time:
8.42
